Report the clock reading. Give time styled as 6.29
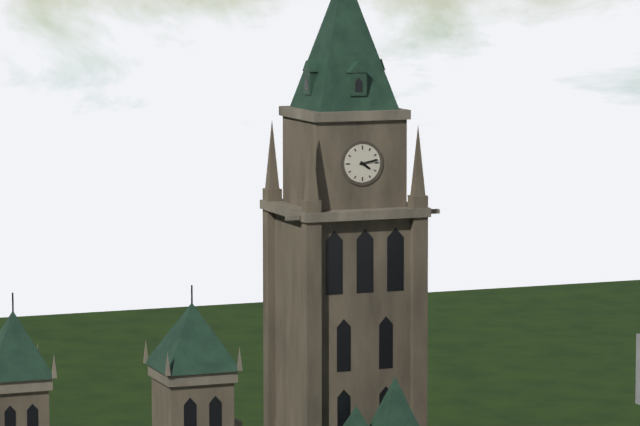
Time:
4.13
